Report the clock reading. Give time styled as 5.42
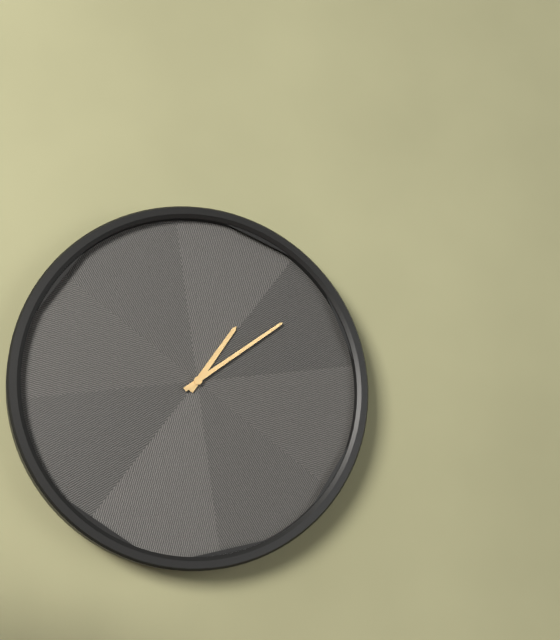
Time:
1.09
